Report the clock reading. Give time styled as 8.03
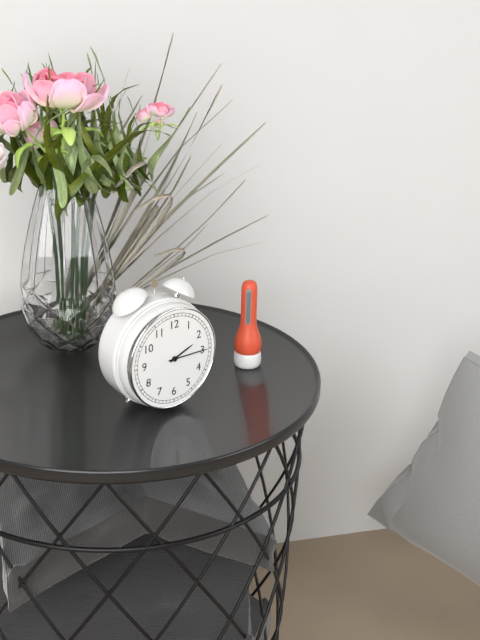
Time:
2.15
